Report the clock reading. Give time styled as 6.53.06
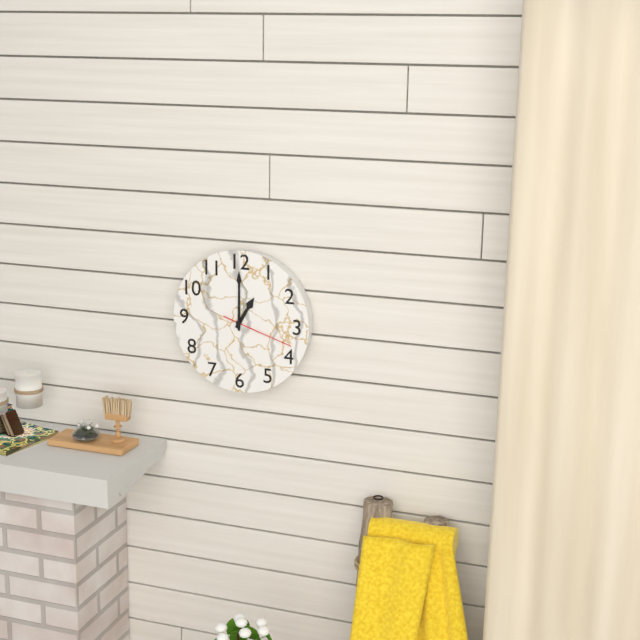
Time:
1.00.18
